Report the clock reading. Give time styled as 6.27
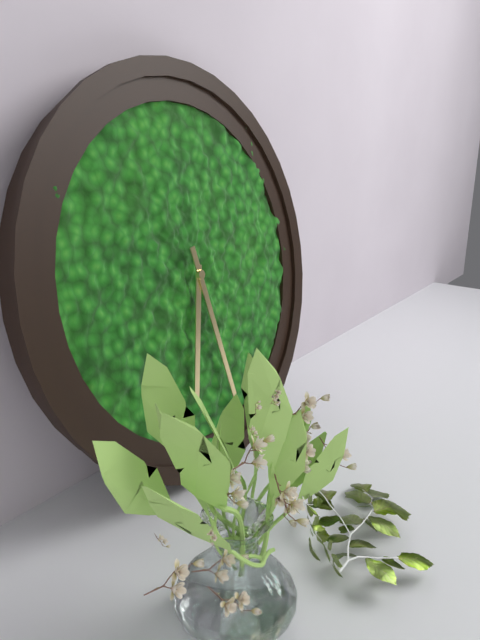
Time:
6.28
